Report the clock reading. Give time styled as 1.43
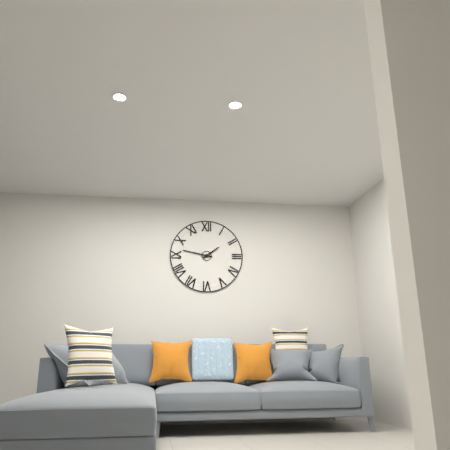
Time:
1.47
